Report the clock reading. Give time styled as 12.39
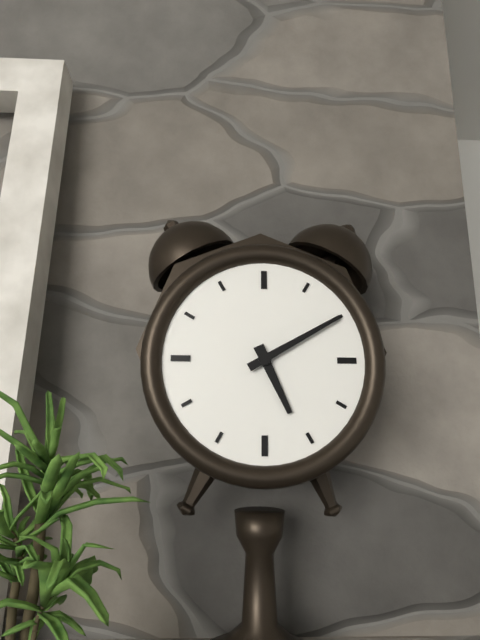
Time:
5.10
